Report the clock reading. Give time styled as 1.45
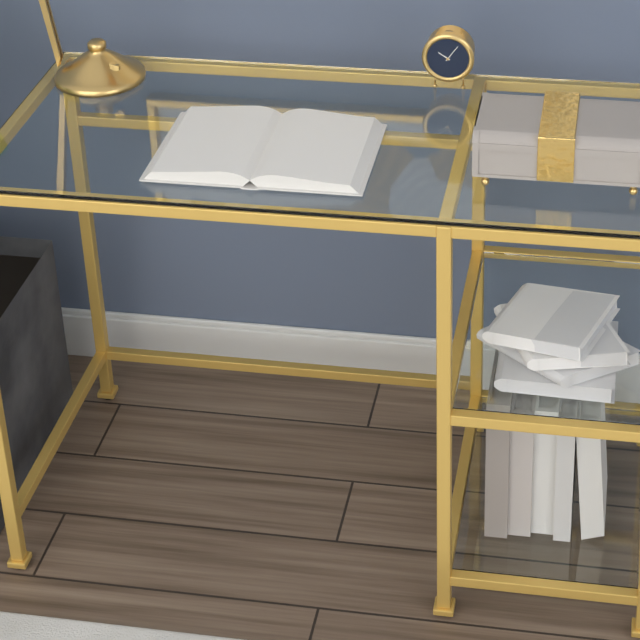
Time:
10.06
